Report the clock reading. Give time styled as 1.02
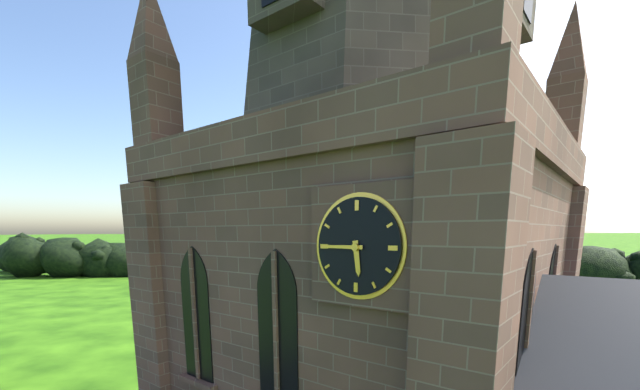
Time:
5.45
